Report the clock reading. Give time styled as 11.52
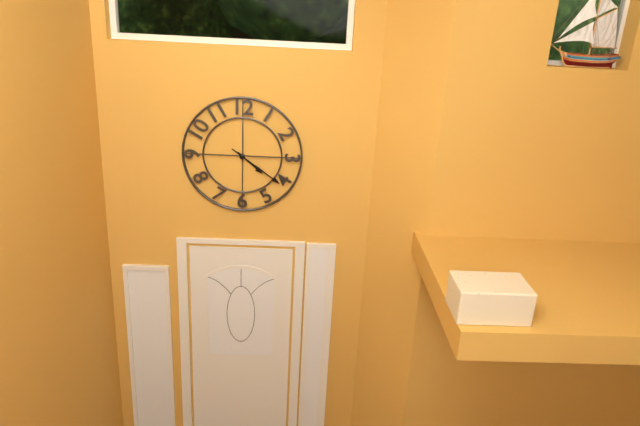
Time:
4.21
